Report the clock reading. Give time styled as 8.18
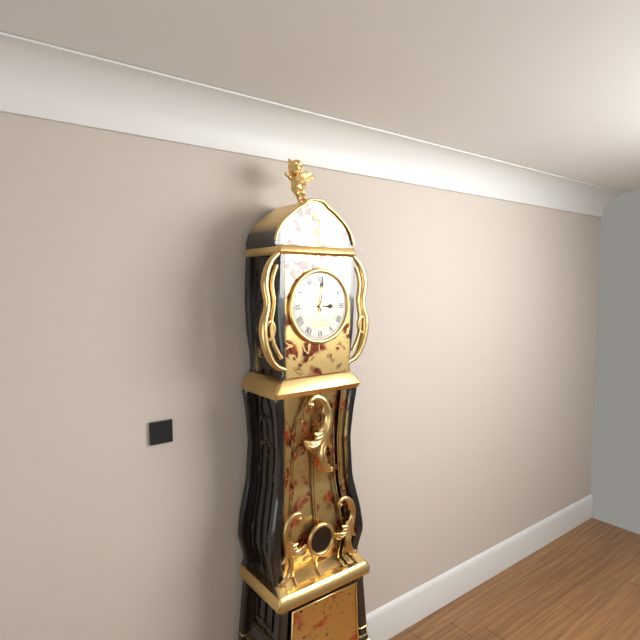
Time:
3.01
